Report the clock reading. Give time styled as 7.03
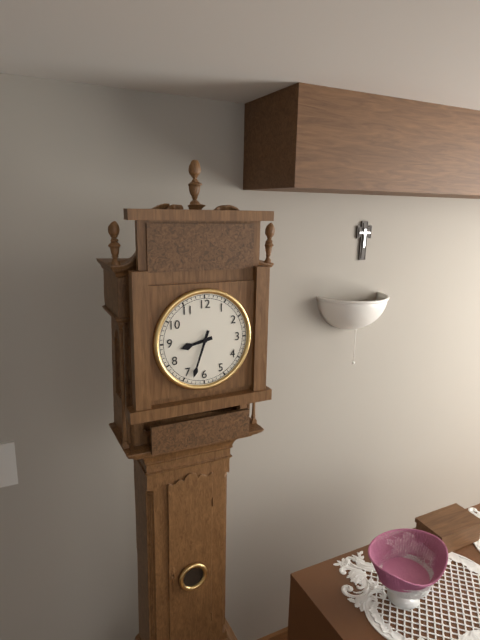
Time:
8.33
